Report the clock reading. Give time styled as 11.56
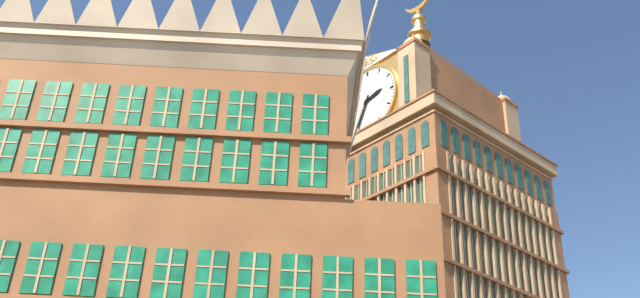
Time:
2.34
